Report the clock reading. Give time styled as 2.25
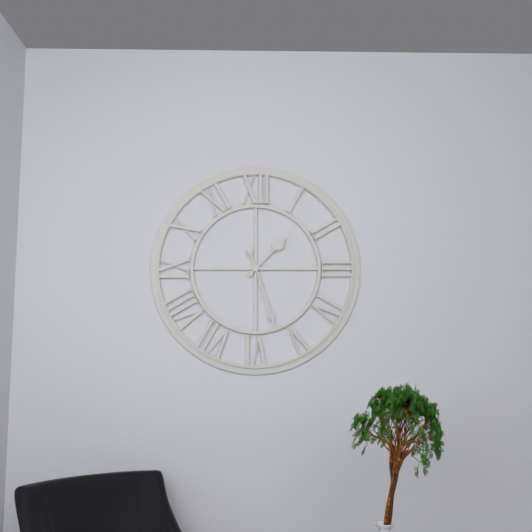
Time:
1.27
